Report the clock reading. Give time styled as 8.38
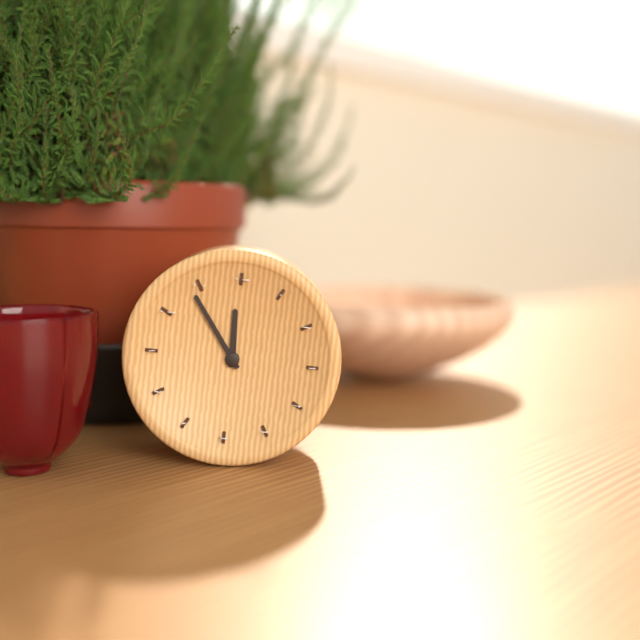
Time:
11.54
